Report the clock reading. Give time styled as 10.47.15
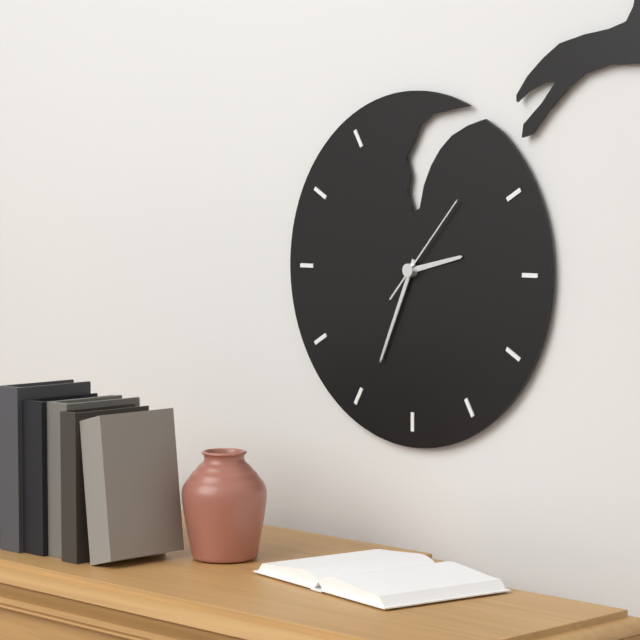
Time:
2.34.07
